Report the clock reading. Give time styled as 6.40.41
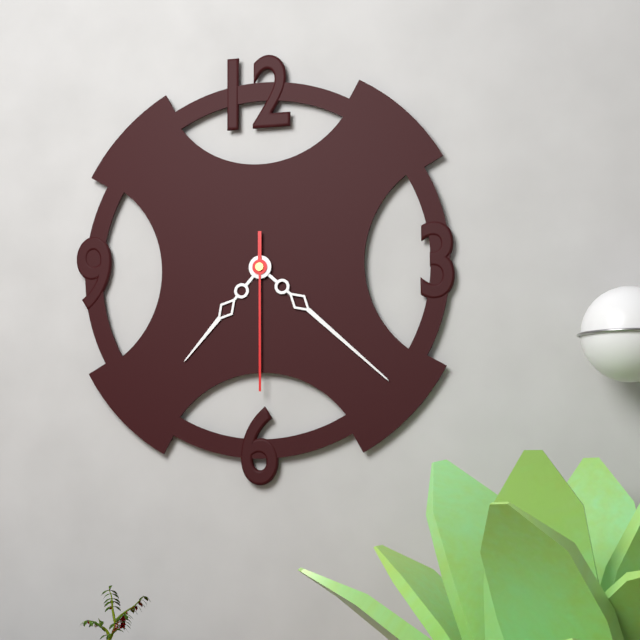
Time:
7.22.30
